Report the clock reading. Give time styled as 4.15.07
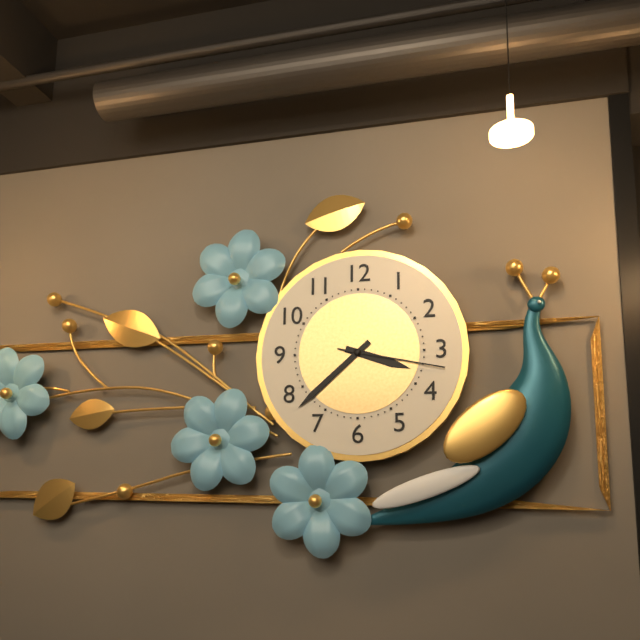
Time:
3.38.17
